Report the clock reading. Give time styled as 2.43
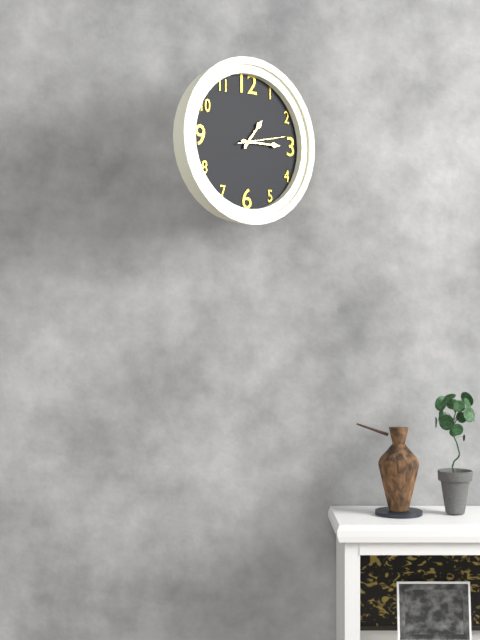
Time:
1.15
